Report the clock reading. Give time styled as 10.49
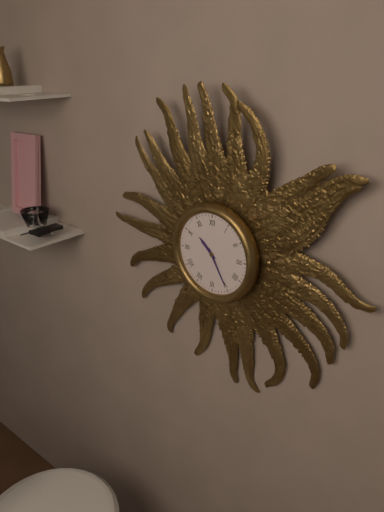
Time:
10.25
